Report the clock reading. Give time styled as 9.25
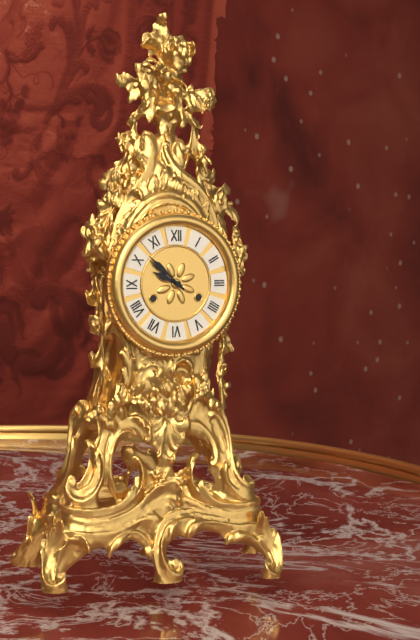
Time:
9.52
